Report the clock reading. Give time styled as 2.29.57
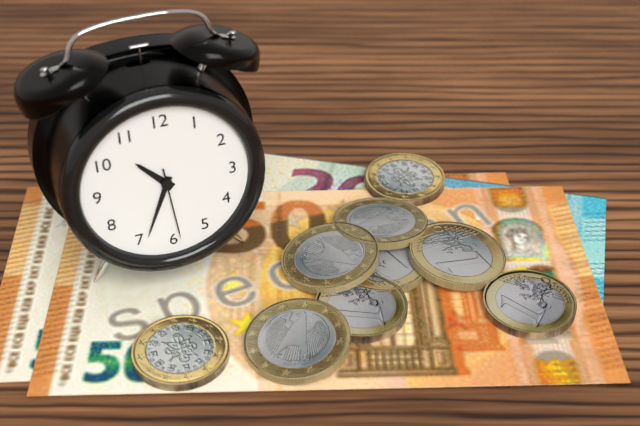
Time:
10.34.29
